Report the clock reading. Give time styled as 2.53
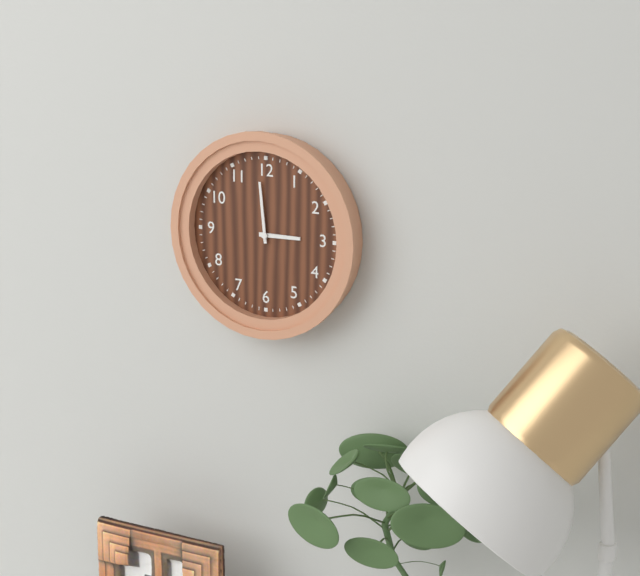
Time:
2.59
